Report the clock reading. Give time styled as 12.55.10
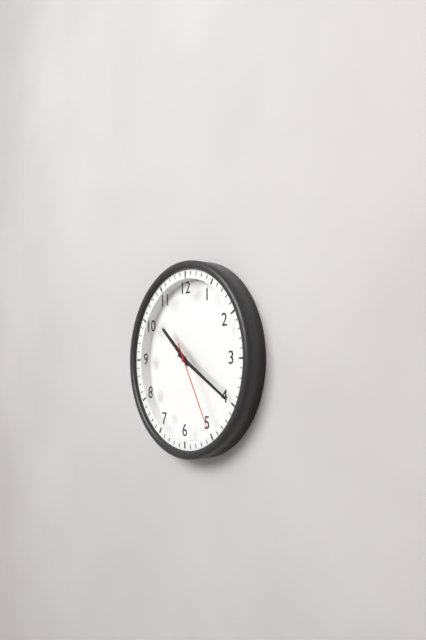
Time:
10.20.25
